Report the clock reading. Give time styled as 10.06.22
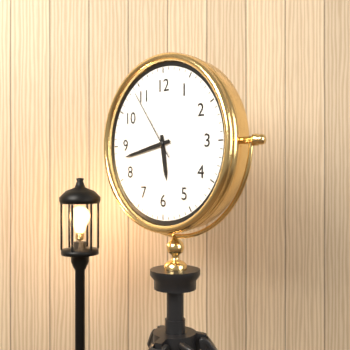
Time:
5.43.54
